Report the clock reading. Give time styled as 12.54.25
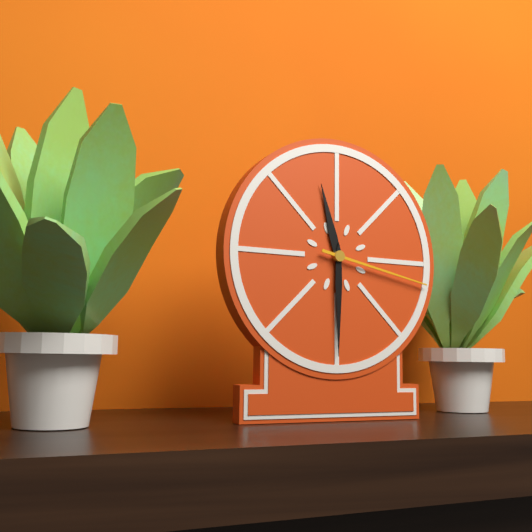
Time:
11.30.17
